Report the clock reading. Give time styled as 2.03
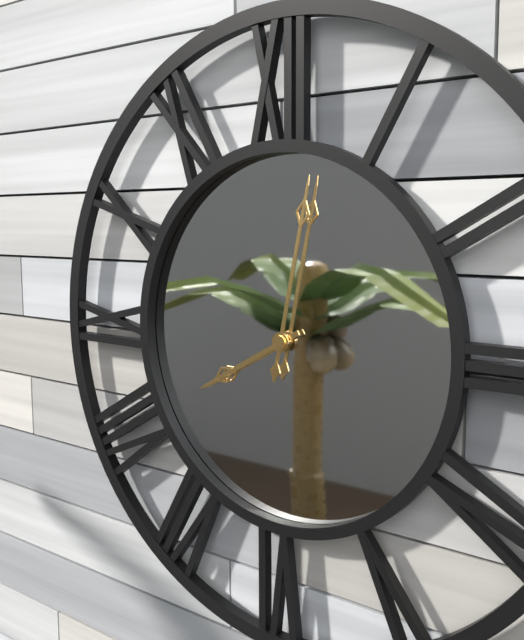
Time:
8.02
